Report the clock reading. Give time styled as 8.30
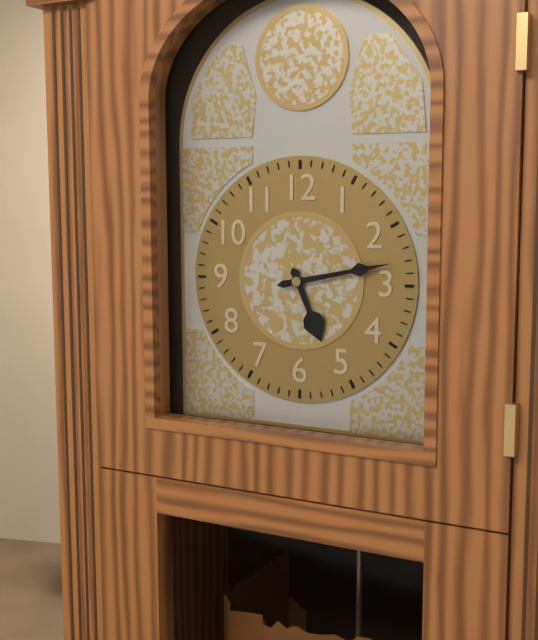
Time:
5.13
